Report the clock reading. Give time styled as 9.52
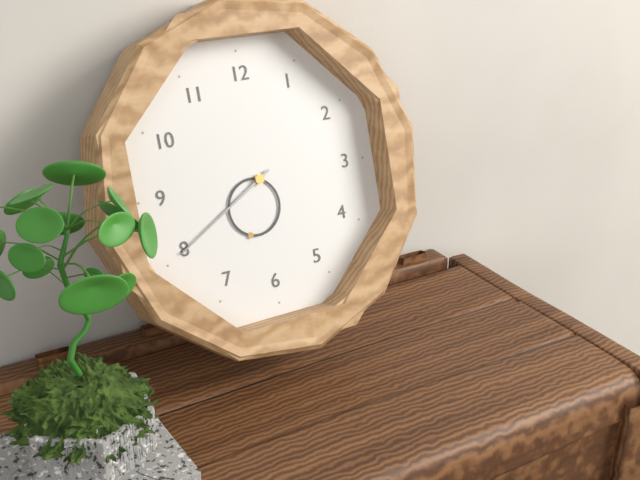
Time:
6.40
